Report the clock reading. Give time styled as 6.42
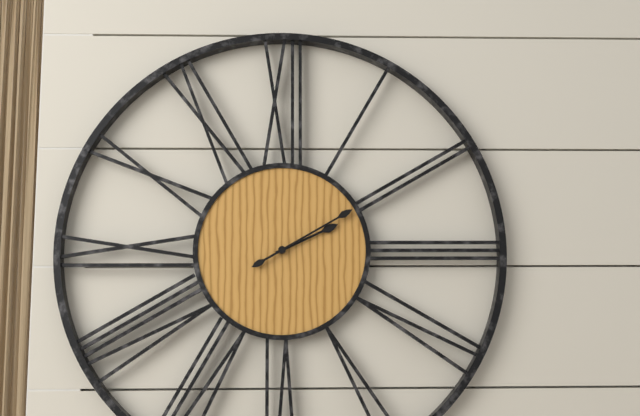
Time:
2.10
